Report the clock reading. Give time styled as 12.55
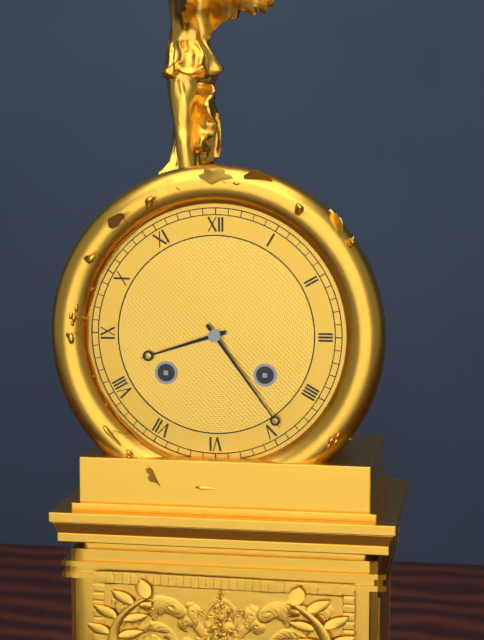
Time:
8.24
